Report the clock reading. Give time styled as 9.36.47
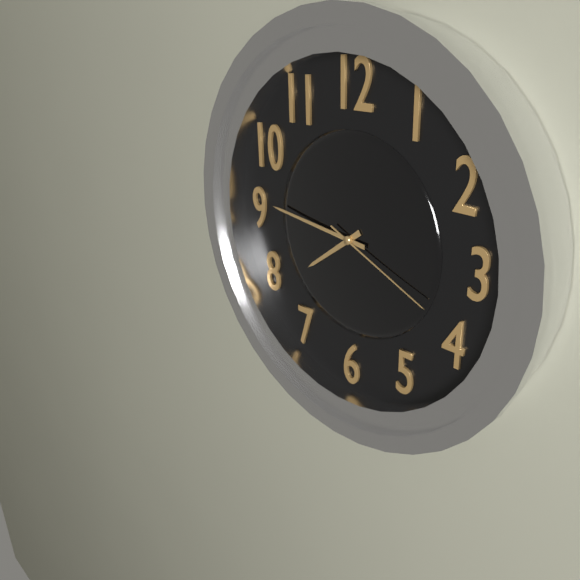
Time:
7.46.19
